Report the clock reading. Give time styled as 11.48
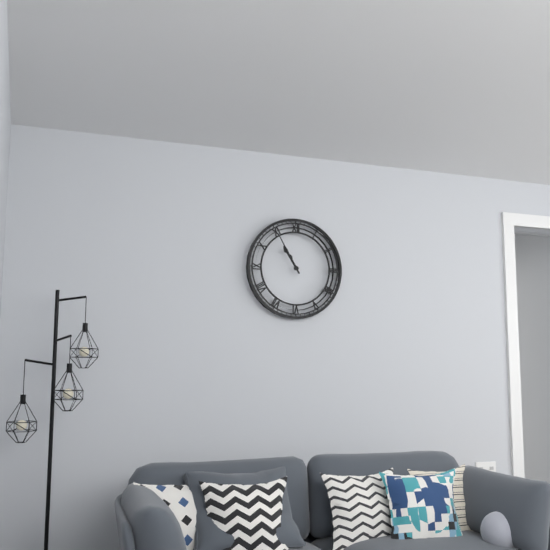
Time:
10.55
